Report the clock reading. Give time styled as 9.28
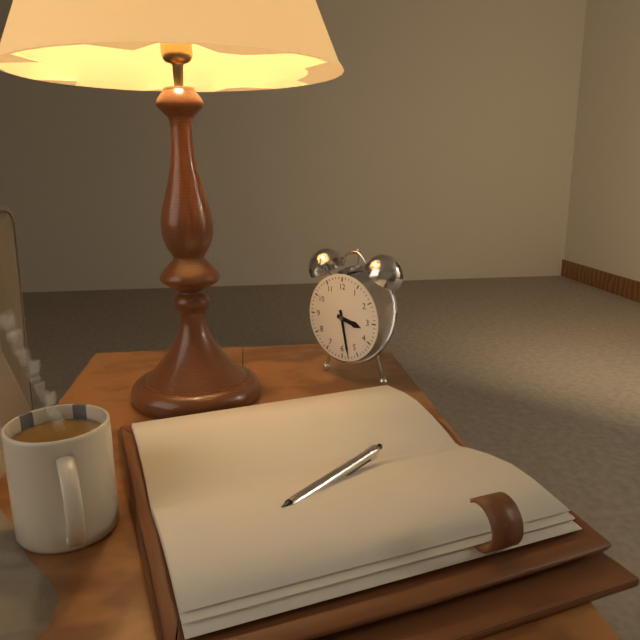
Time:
3.28
